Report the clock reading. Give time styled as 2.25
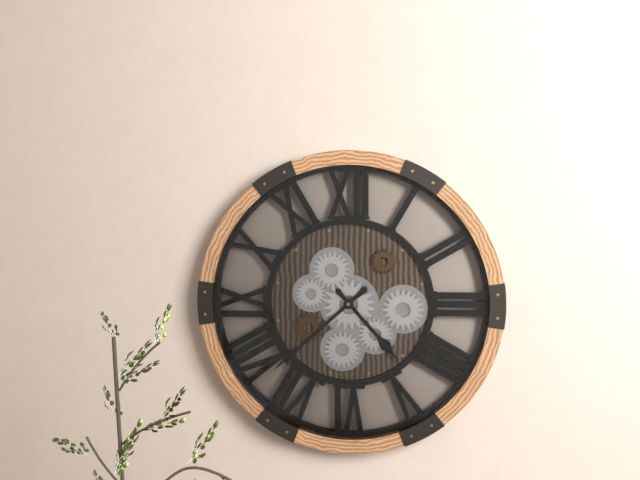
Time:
4.38
